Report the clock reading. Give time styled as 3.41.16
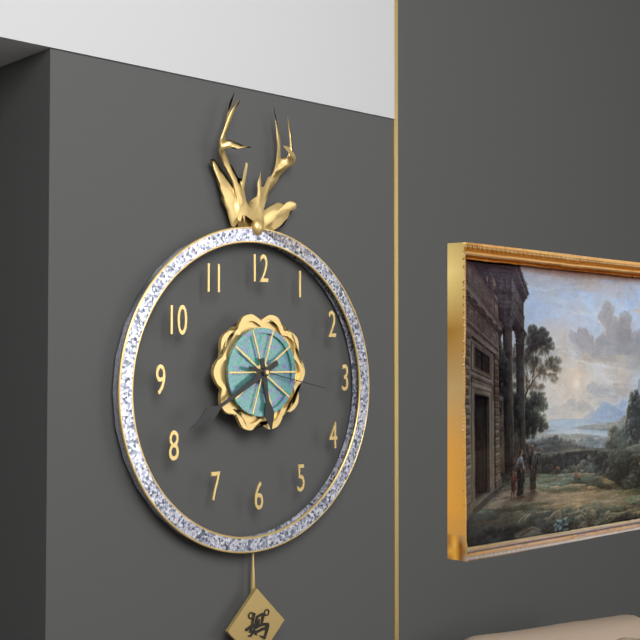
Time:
5.40.17
